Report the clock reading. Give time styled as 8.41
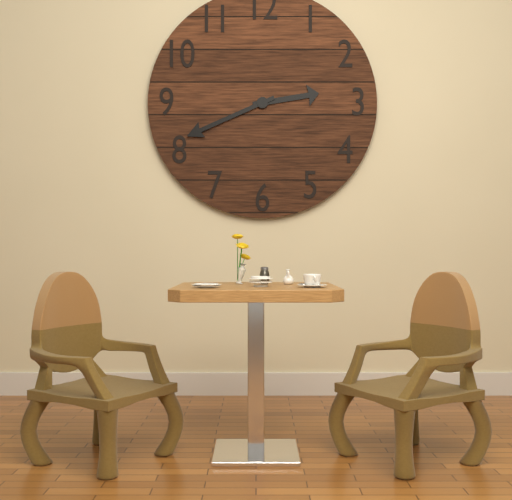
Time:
2.41
